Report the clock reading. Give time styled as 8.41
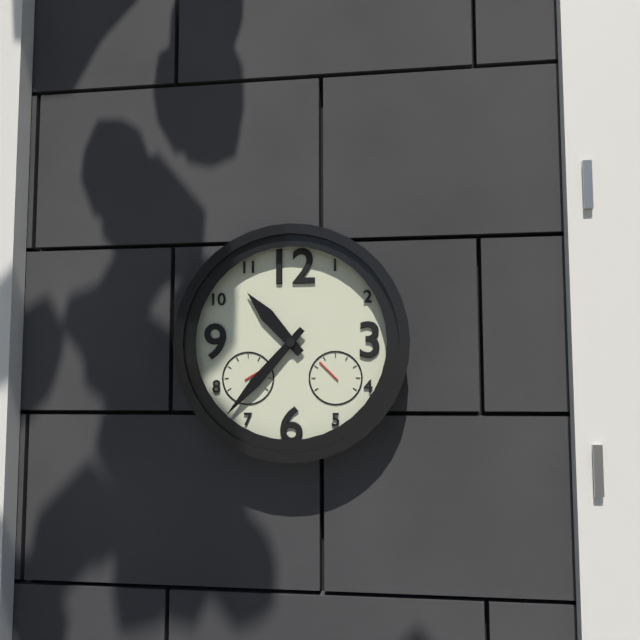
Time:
10.37
